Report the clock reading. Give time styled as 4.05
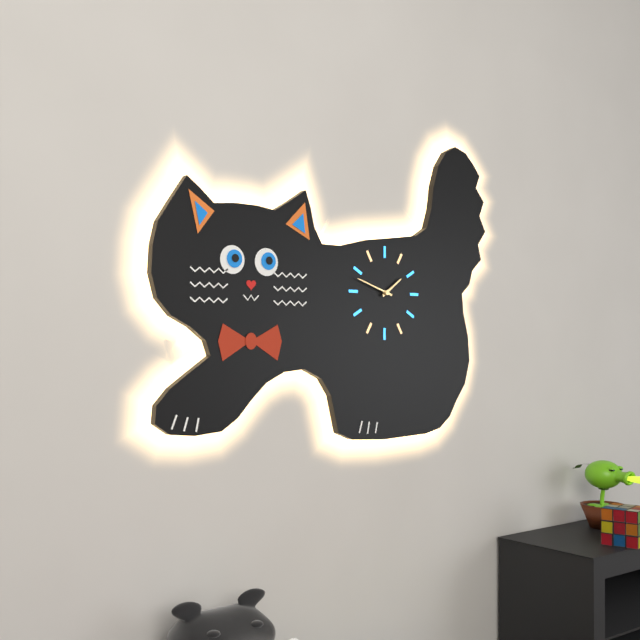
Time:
1.48
